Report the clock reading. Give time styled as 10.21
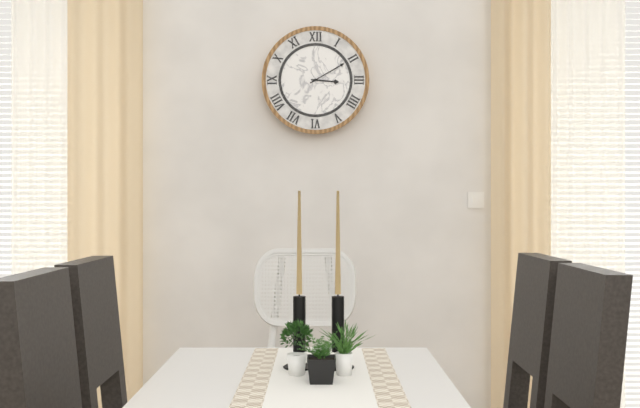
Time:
3.10
